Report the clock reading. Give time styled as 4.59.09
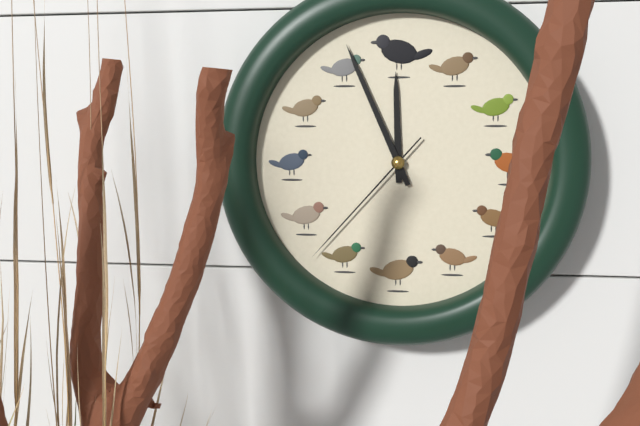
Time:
11.56.37
